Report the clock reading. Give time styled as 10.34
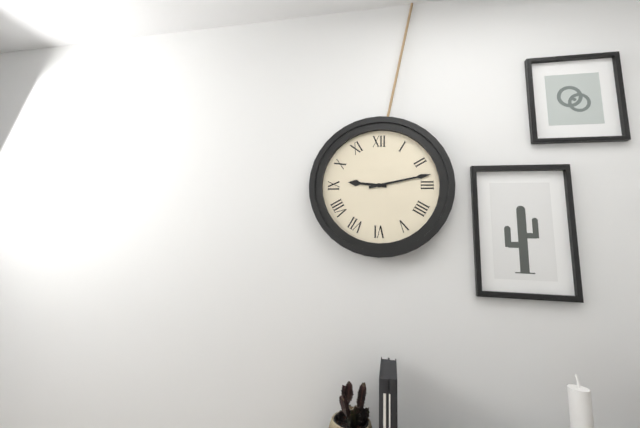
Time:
9.13
